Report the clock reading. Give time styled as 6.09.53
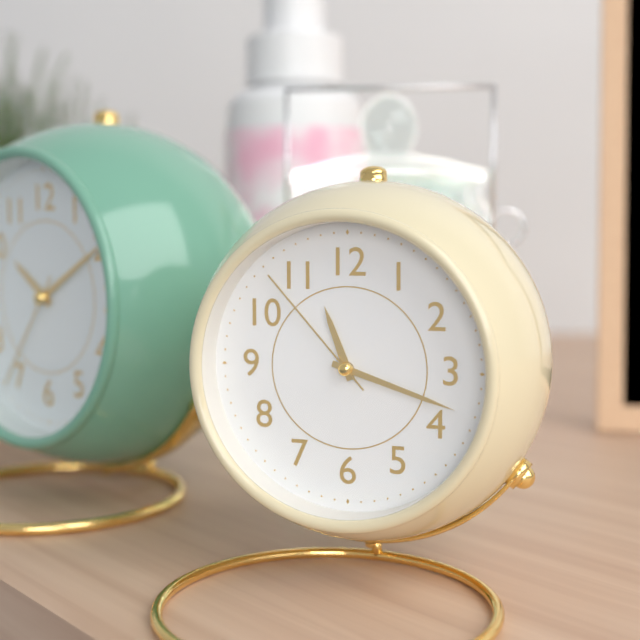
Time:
11.18.53
